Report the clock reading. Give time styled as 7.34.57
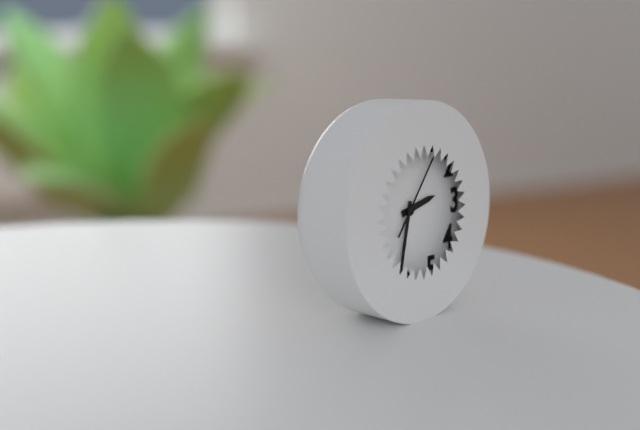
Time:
2.32.06
